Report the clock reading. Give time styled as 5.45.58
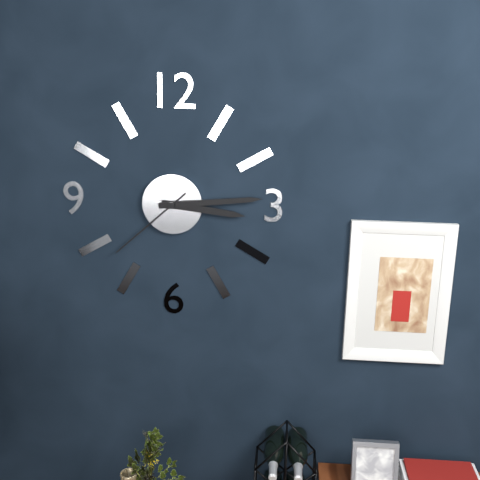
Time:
3.14.38
